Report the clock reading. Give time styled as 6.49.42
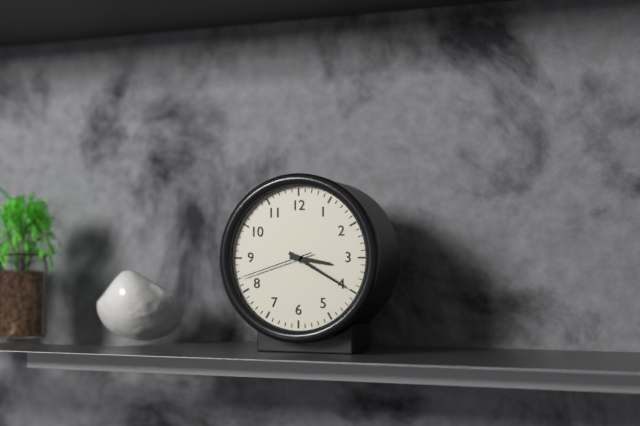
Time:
3.20.42
